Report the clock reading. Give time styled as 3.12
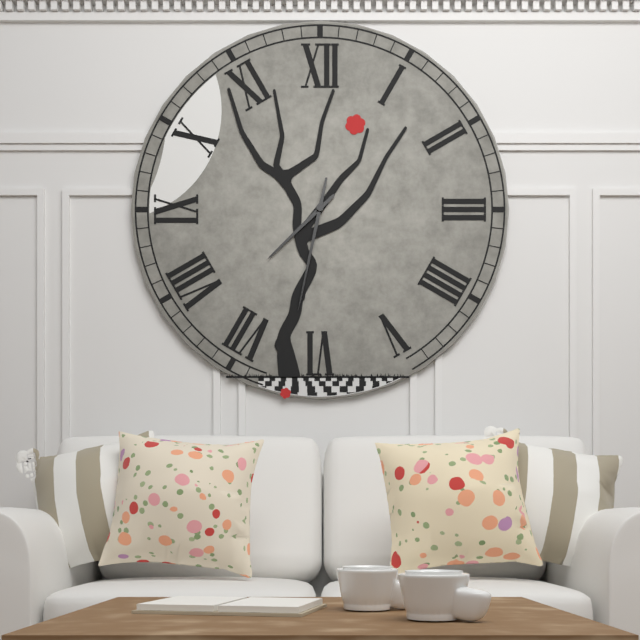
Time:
7.32
